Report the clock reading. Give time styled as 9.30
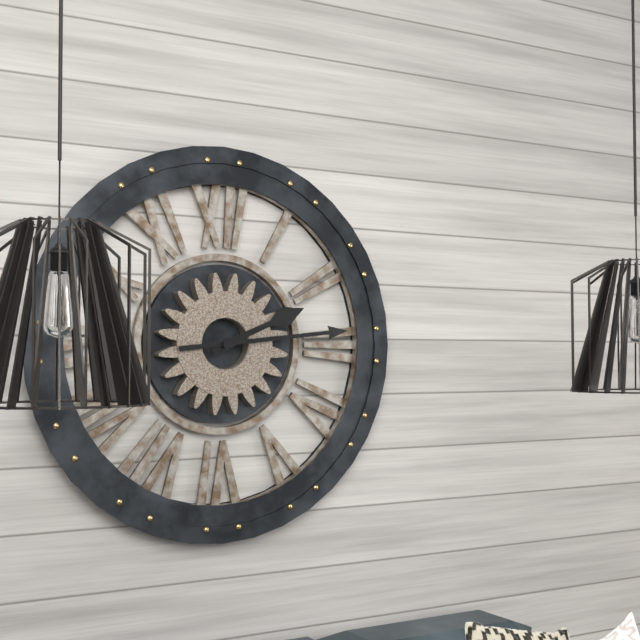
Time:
2.14
